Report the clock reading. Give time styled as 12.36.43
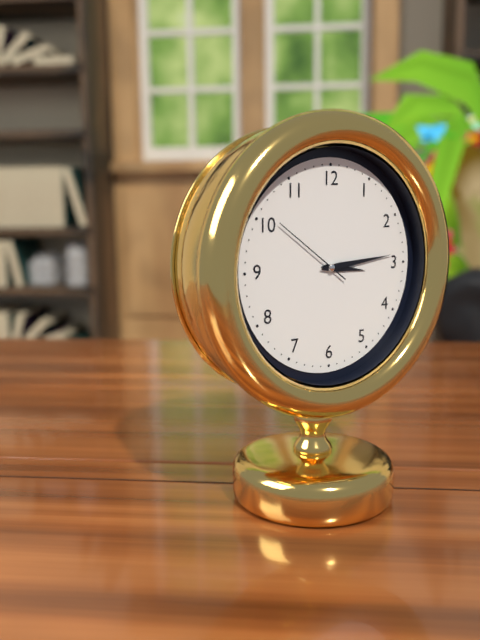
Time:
3.14.51
